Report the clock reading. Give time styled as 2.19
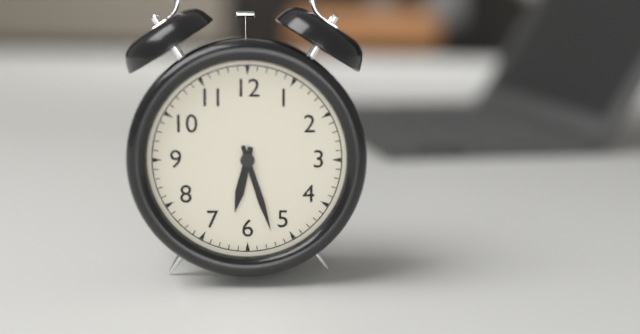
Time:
6.27
